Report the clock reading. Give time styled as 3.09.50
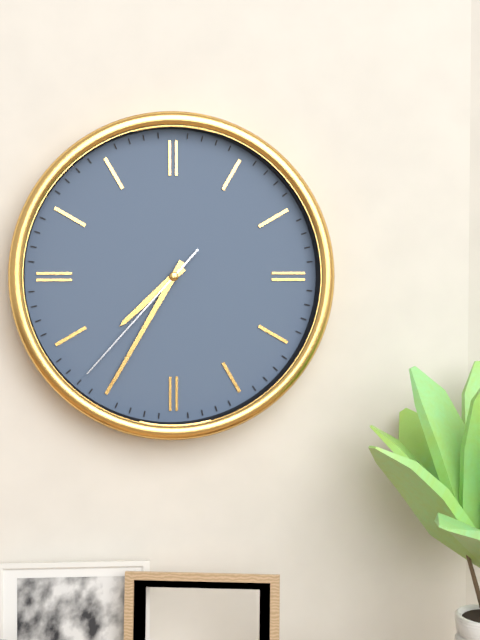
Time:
7.35.37
